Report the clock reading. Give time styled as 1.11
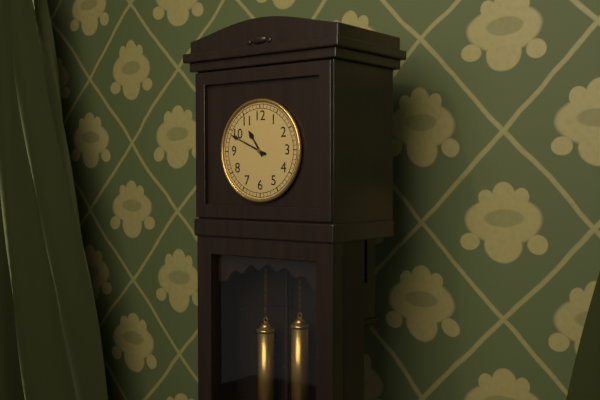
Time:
10.49
